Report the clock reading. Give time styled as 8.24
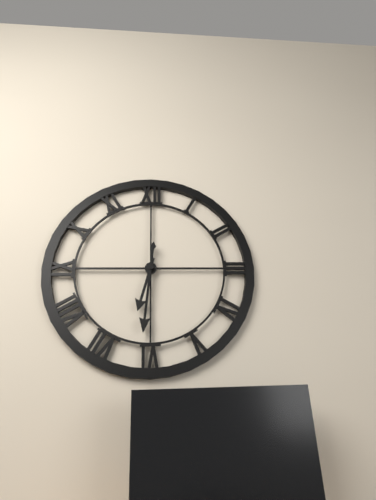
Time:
6.31
